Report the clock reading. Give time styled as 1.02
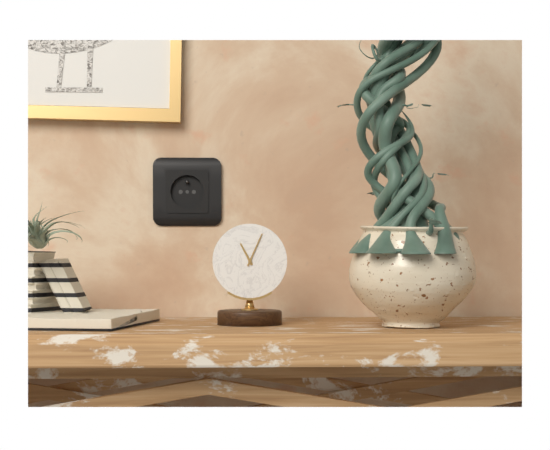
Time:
11.04
